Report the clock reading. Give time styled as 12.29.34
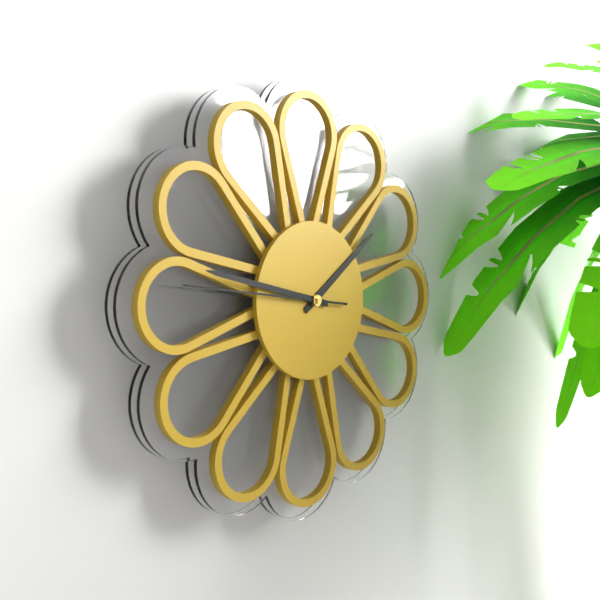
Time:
1.47.46
